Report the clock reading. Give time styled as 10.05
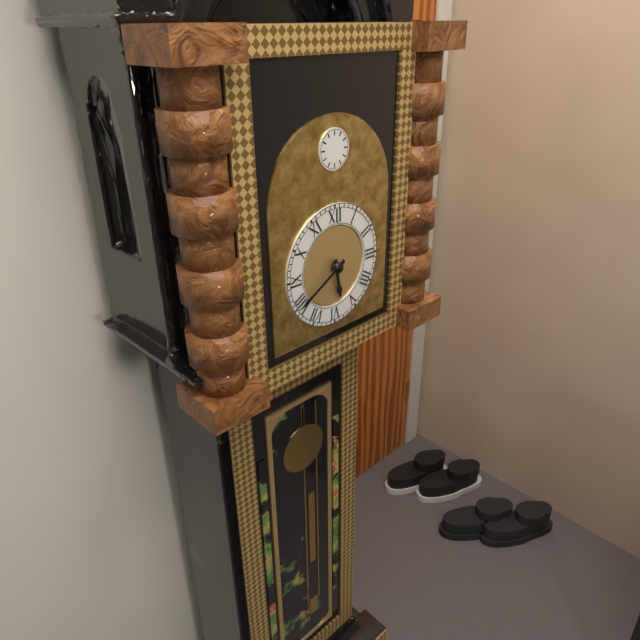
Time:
5.40
